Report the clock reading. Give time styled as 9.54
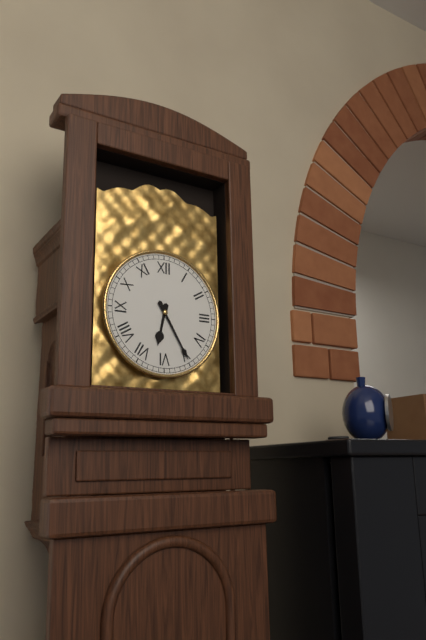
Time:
6.25
